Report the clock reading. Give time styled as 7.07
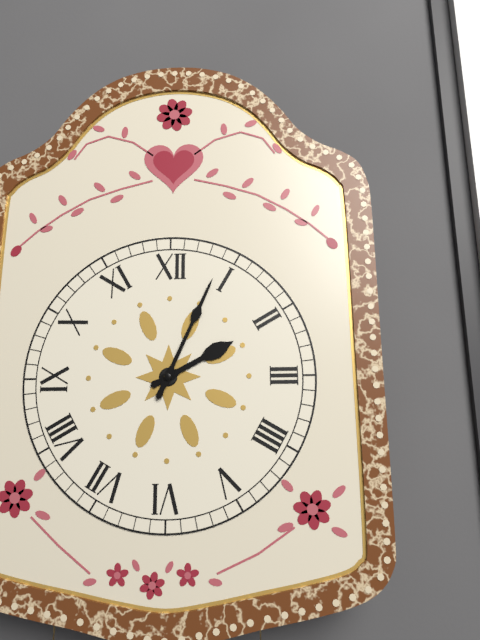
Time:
2.04
